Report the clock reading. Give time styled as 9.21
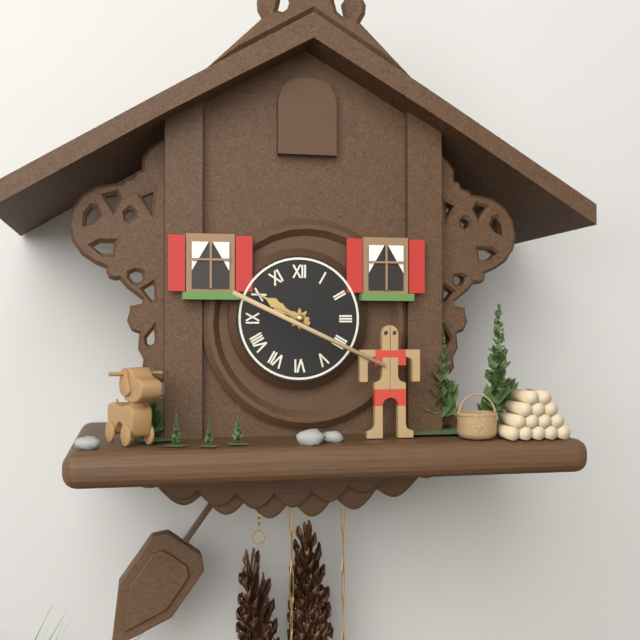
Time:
9.50
